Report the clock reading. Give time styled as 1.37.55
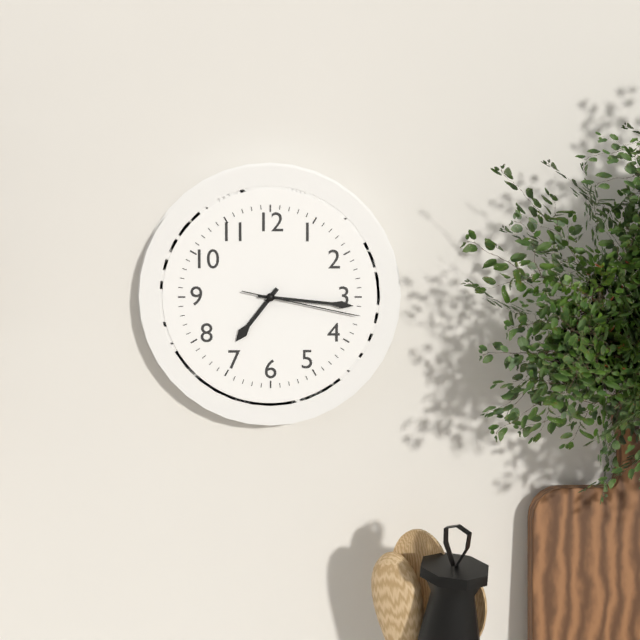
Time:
7.16.17
